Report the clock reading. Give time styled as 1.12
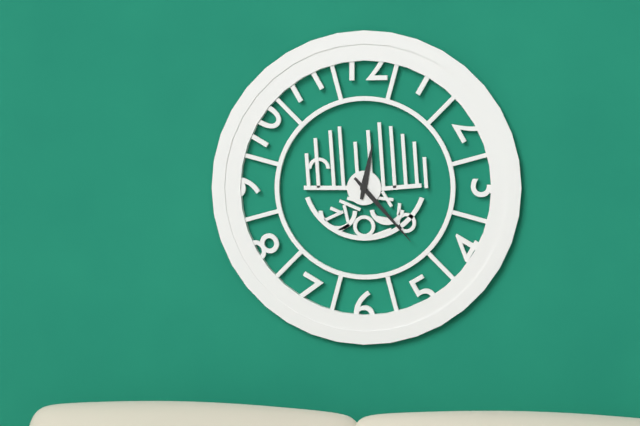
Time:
12.23
